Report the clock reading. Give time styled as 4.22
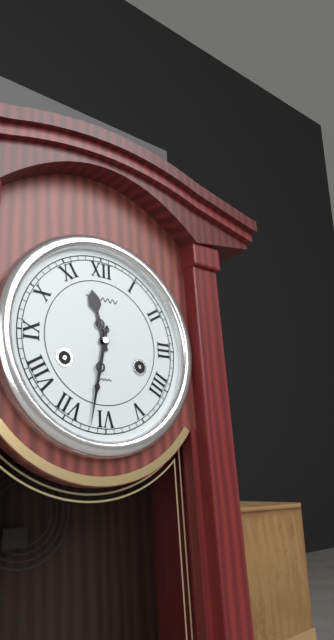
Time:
11.32
